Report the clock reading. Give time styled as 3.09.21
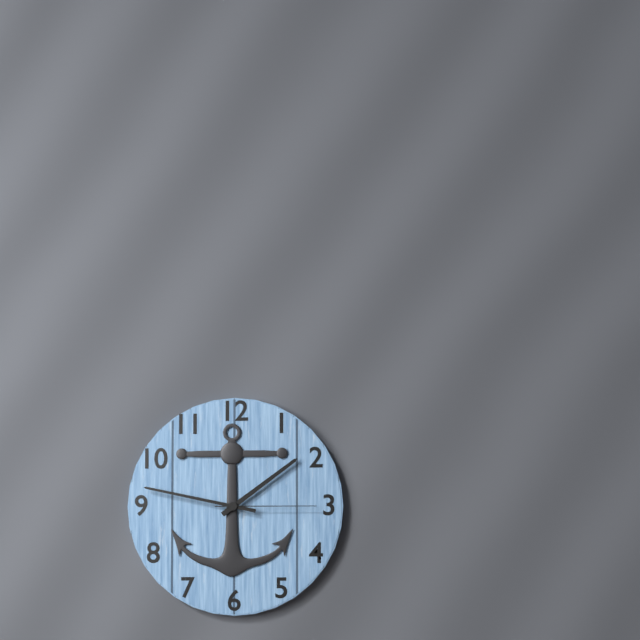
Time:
1.47.15
